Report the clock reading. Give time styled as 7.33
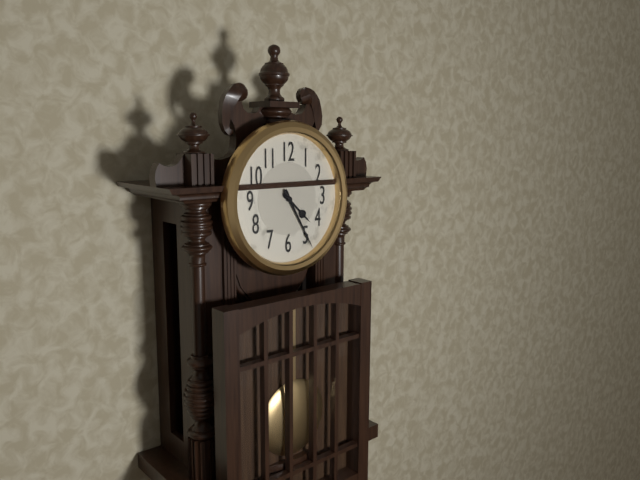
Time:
4.25
